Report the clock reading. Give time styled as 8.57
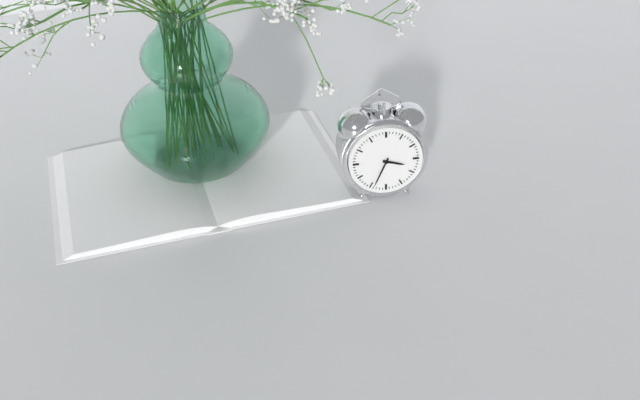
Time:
3.34
